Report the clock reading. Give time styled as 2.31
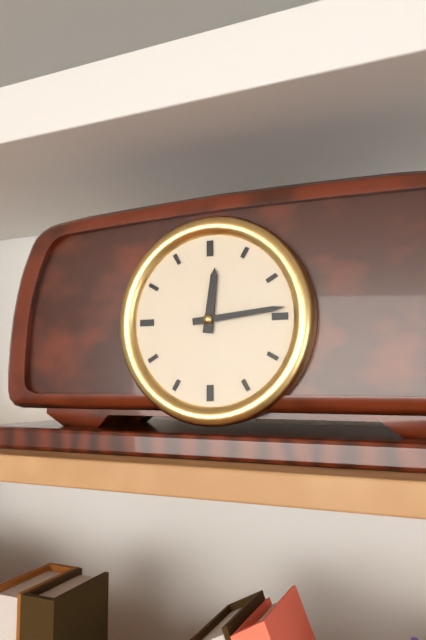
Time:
12.14
